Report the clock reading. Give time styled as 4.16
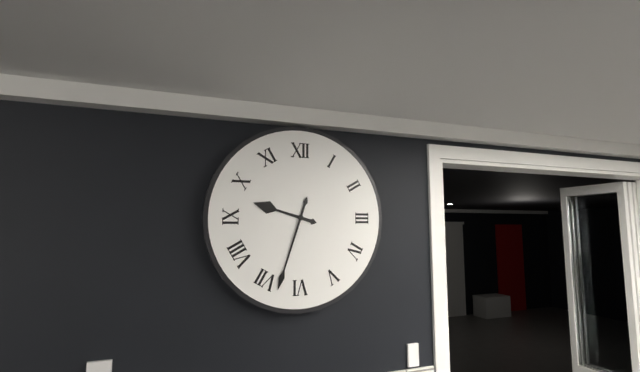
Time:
9.33
